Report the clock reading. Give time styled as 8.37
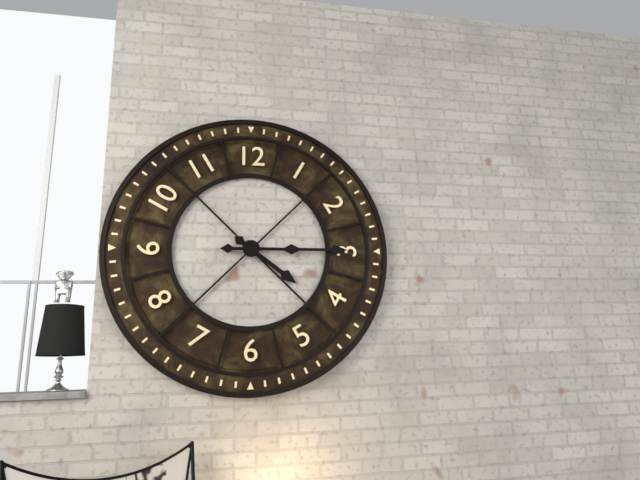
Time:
4.15
